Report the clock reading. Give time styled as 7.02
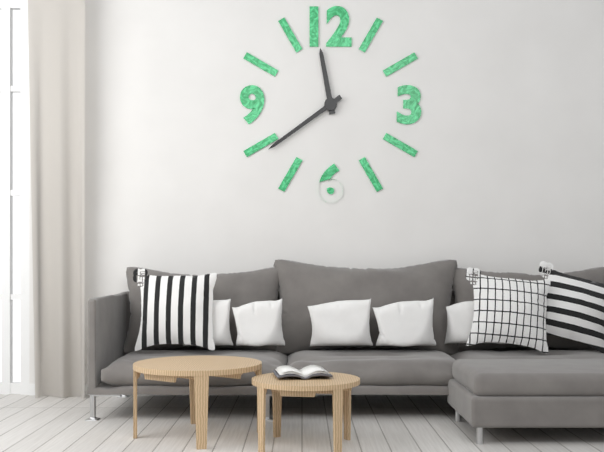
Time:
11.39
